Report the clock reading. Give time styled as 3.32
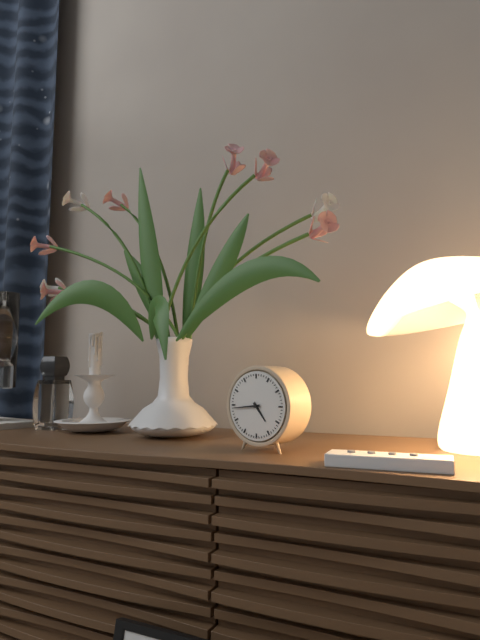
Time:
4.44
